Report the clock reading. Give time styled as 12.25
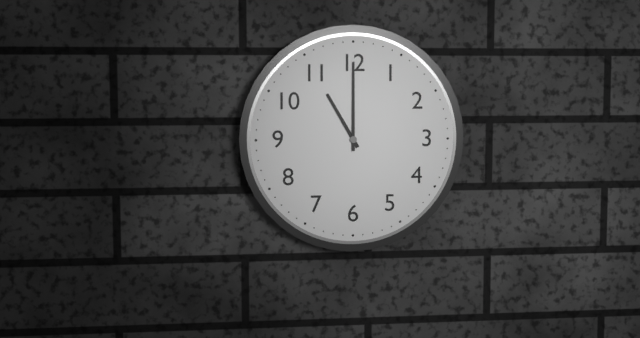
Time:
11.00
